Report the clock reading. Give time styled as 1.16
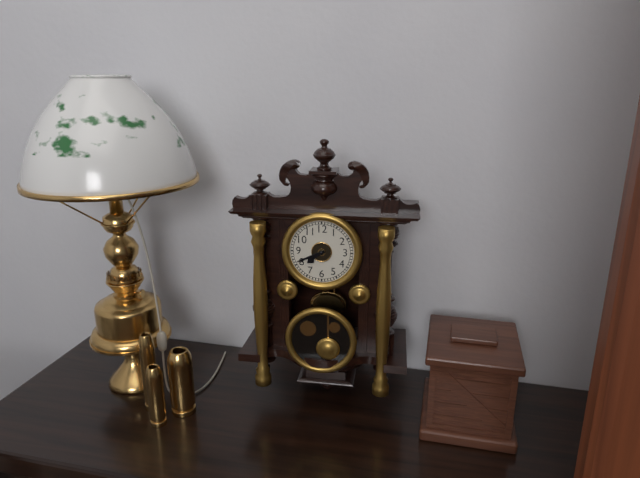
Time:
7.41
